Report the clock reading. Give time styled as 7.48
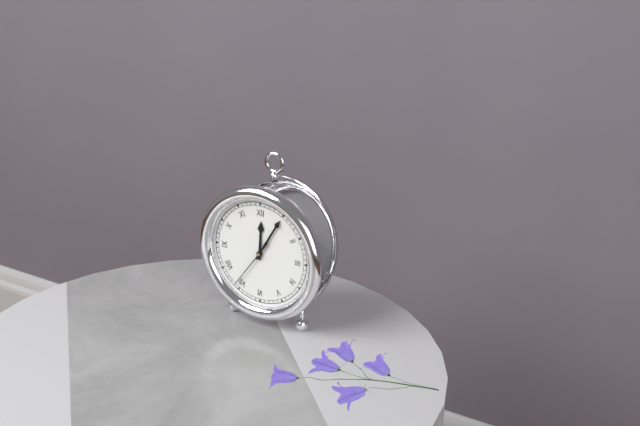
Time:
12.05
